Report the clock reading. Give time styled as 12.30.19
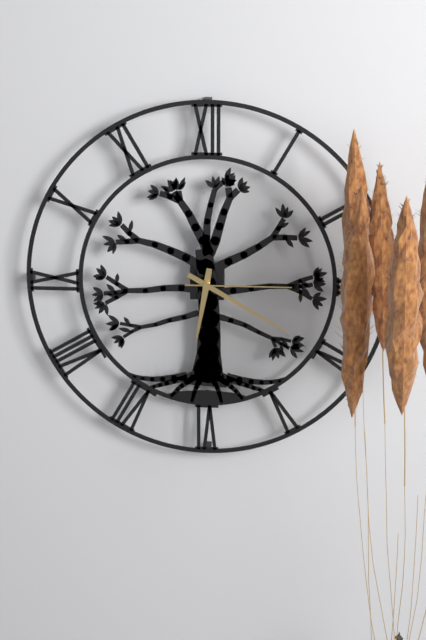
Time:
6.20.15
